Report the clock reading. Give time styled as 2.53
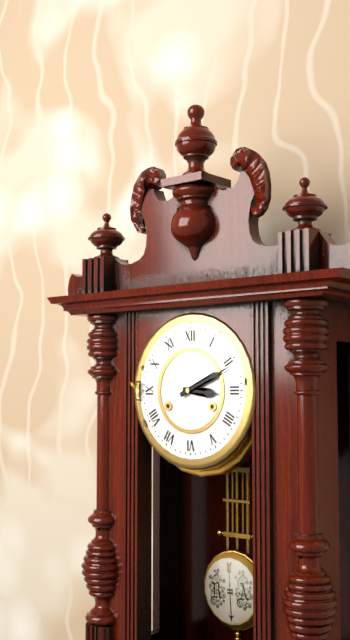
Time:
3.11
